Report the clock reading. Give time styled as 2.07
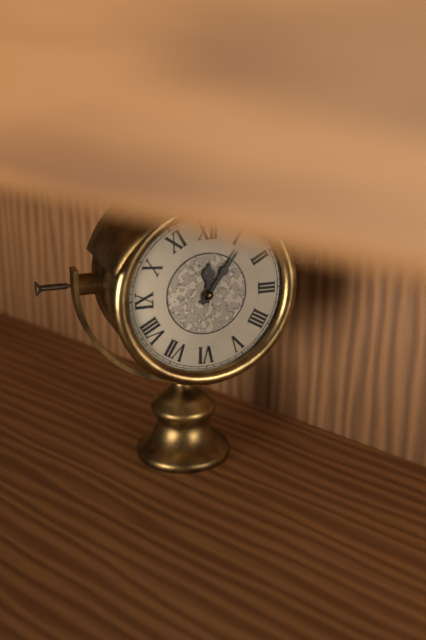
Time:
12.06
